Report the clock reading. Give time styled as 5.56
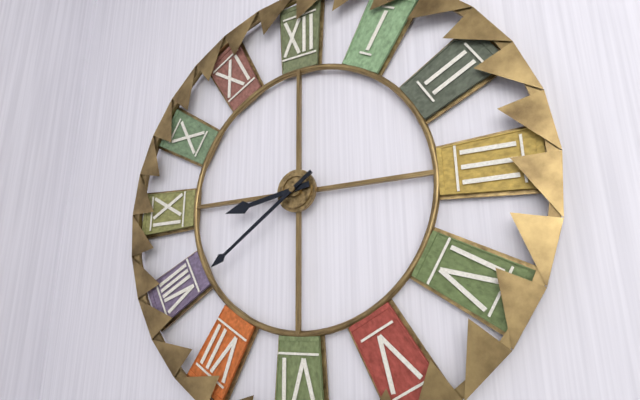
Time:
8.39
